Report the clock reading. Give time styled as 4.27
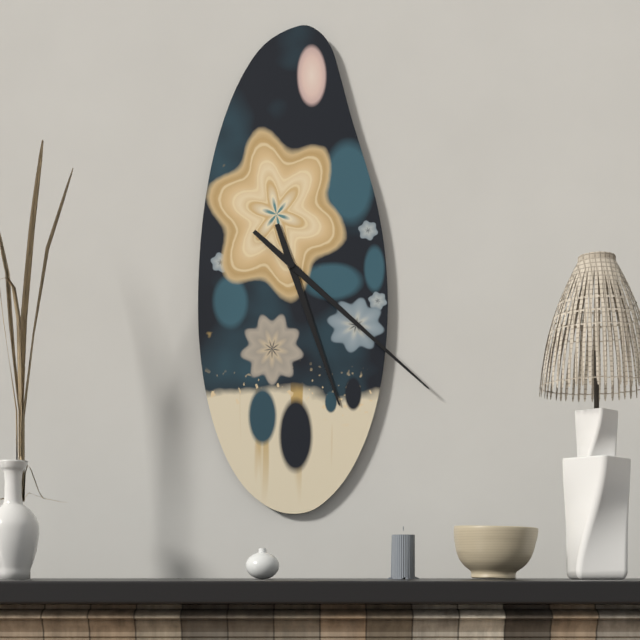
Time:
5.22
